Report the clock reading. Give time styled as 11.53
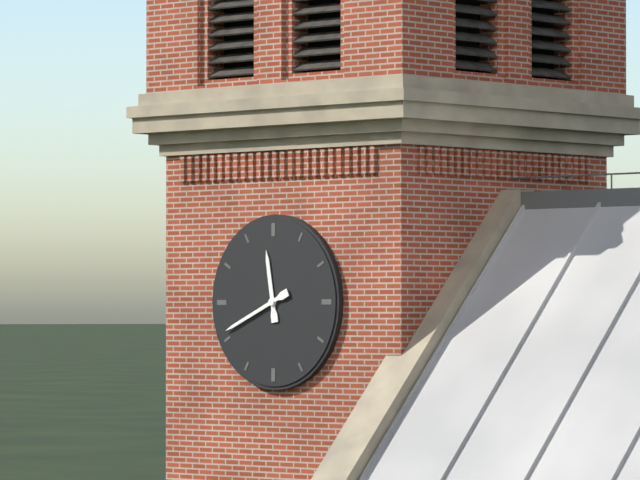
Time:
11.41
